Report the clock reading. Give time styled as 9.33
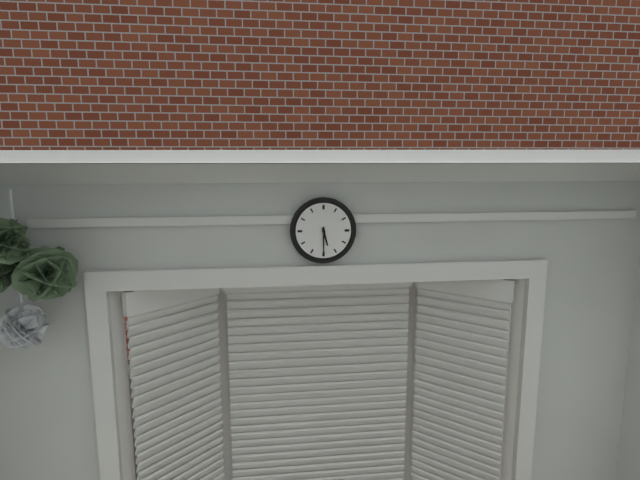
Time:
5.30
